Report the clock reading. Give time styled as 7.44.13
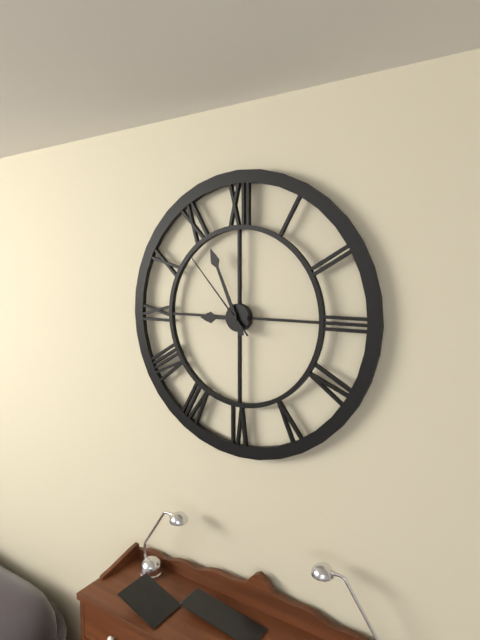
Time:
8.56.53
